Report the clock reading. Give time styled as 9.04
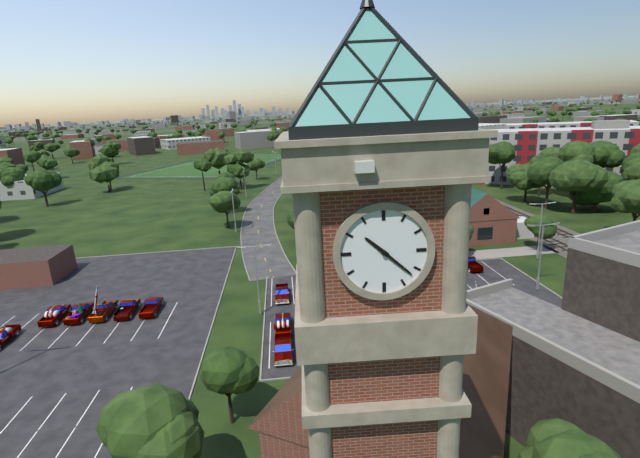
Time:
10.22
